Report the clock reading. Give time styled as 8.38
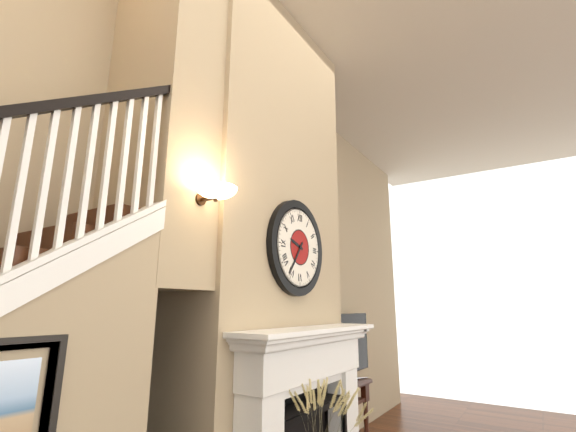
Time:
9.36
